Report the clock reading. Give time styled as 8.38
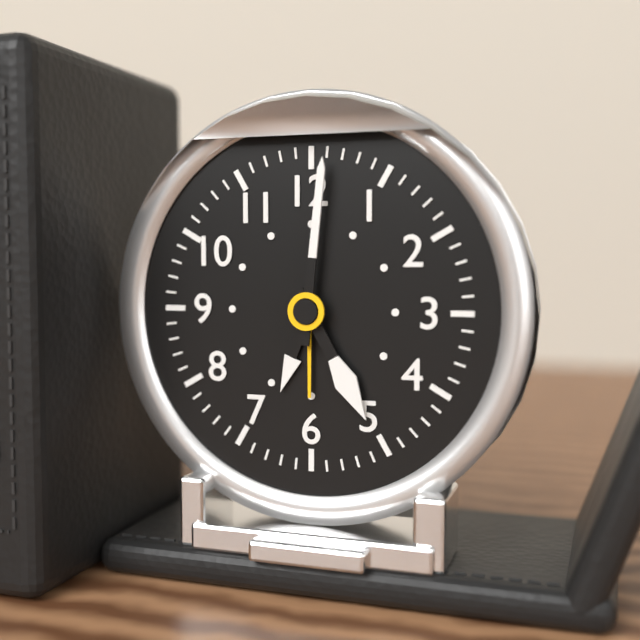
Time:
5.01
